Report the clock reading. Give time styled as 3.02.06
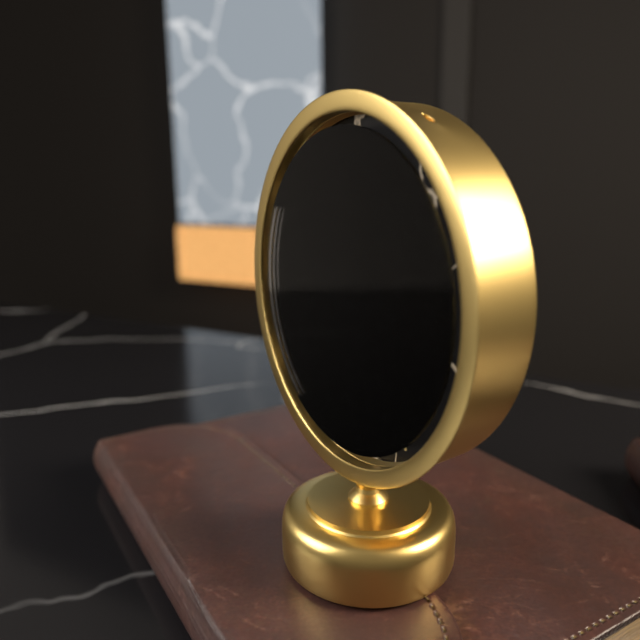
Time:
9.36.07
